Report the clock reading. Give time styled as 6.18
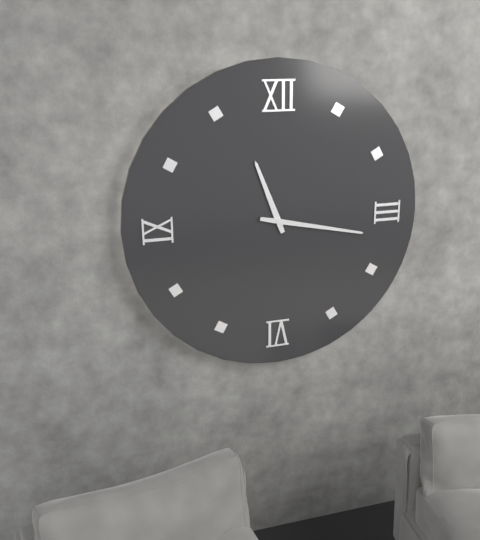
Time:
11.17
